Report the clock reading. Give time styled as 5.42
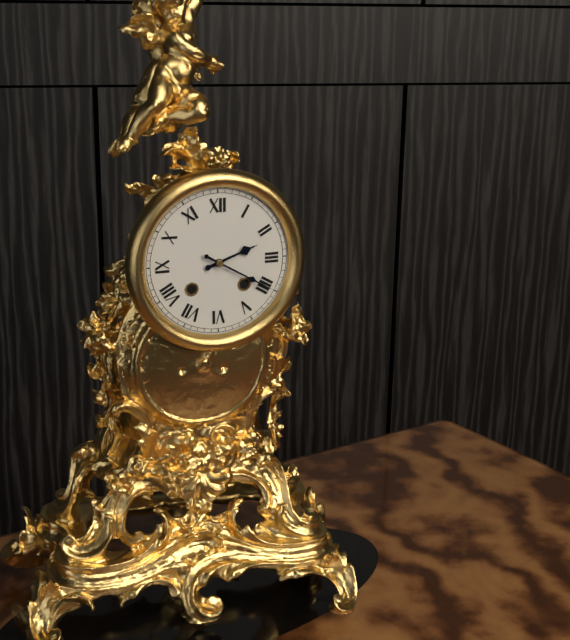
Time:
2.20
